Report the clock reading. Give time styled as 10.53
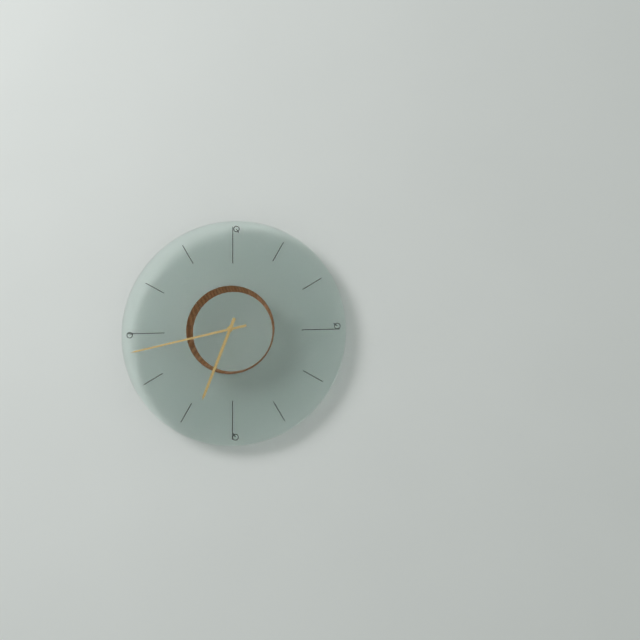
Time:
6.43
